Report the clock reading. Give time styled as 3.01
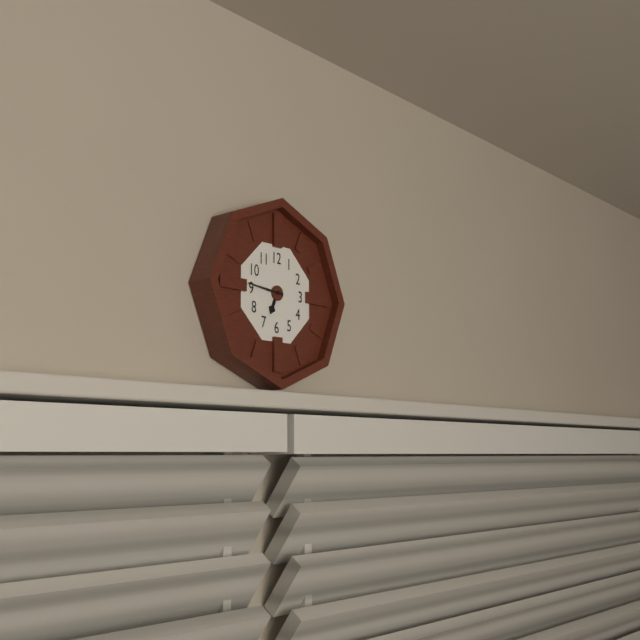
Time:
6.46
